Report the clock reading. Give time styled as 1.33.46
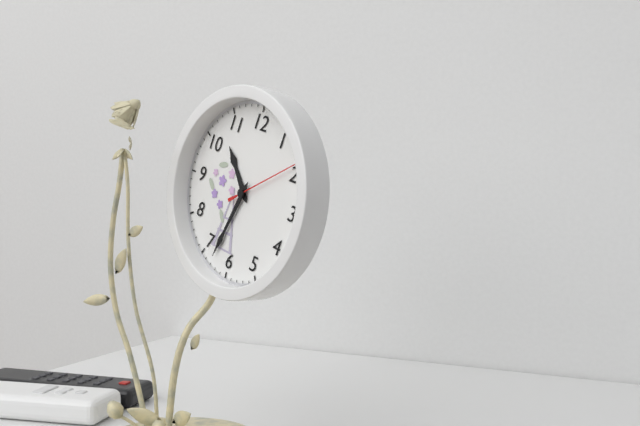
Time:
10.33.09
